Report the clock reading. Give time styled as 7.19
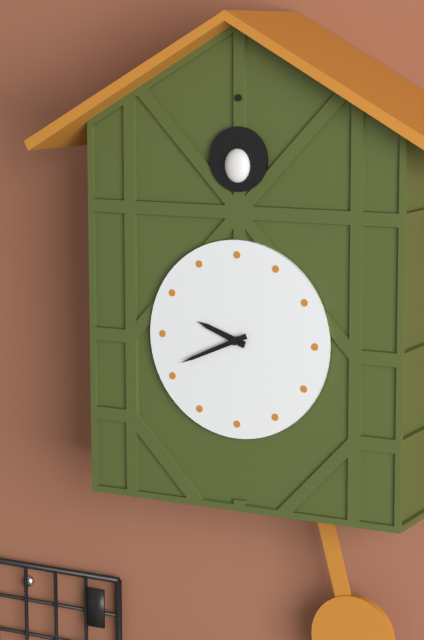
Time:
9.41
